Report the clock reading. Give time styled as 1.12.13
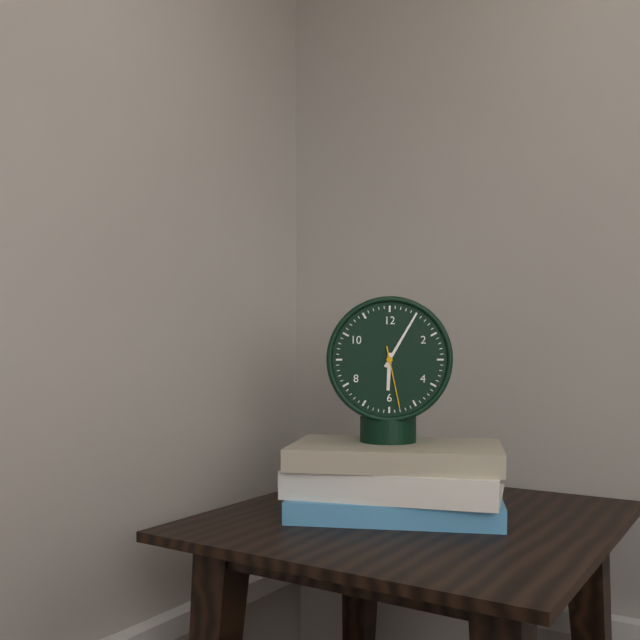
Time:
6.05.28
